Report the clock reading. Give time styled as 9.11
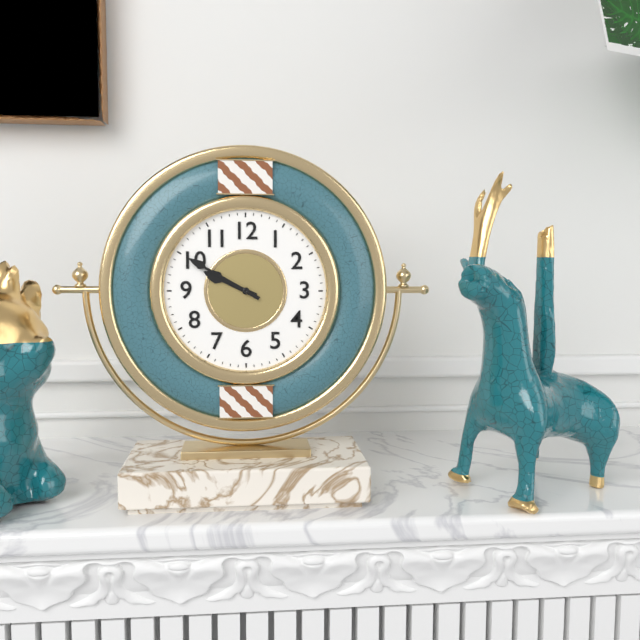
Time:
9.50
